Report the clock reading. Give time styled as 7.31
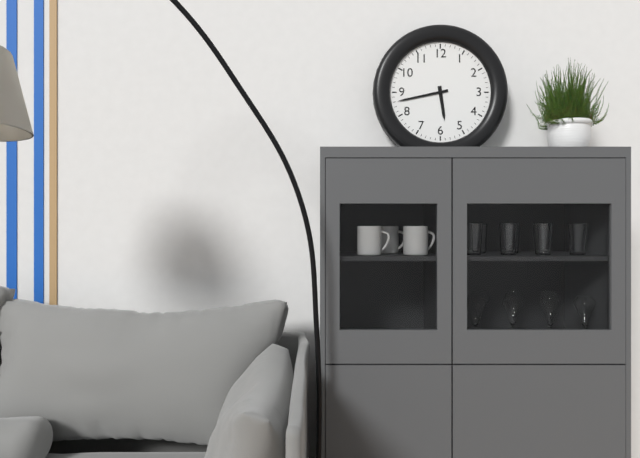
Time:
5.43
